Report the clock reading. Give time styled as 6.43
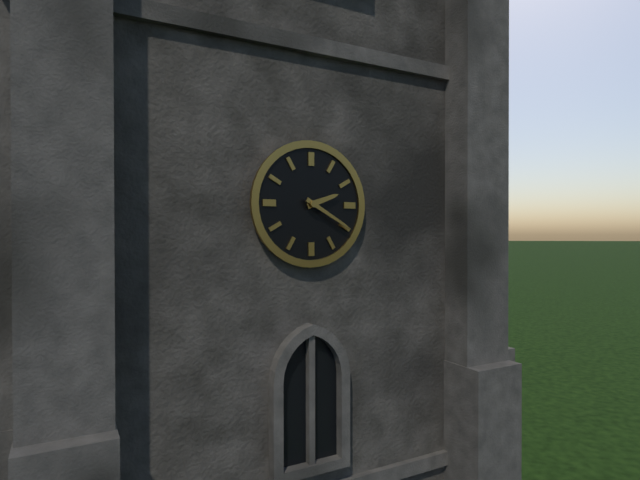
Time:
2.20
